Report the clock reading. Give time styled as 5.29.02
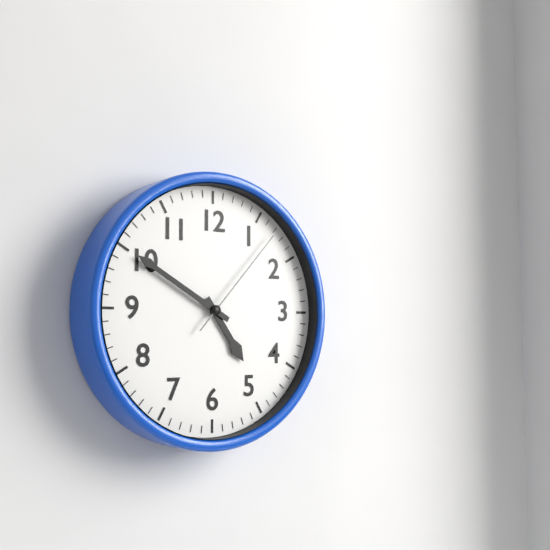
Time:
4.50.07
